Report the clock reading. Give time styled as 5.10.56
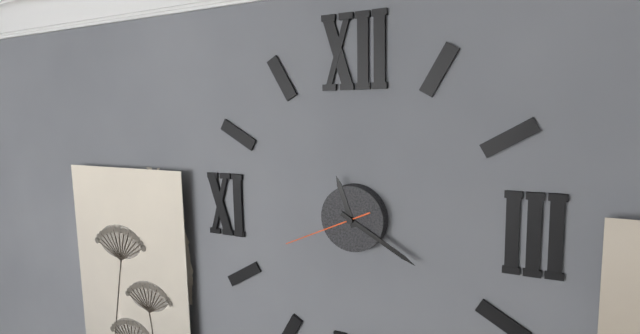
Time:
11.20.41
